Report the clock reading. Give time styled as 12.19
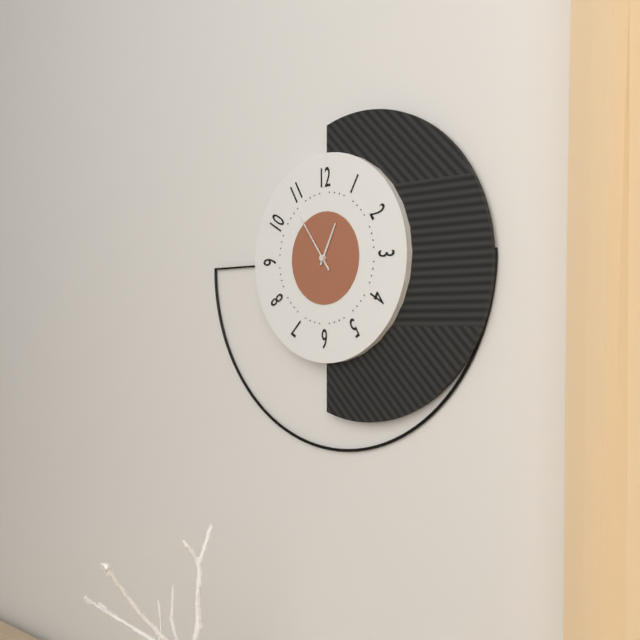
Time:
12.54
